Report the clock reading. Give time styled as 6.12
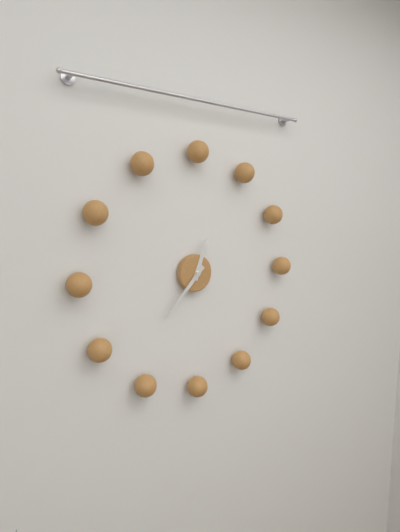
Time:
12.37
